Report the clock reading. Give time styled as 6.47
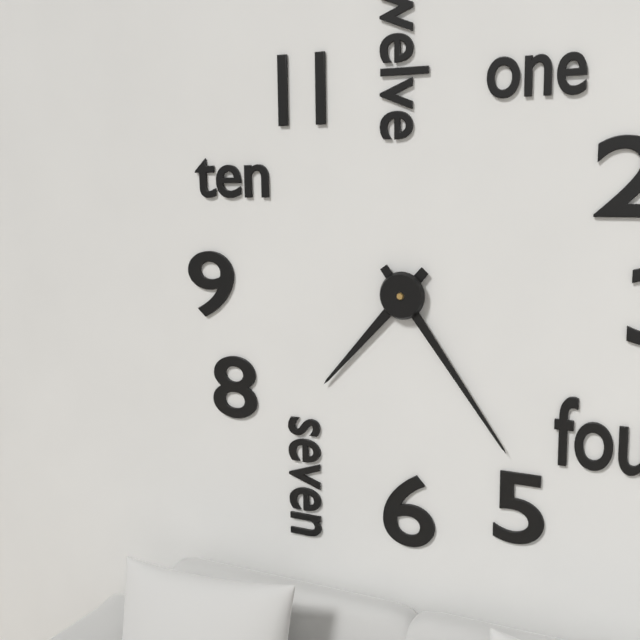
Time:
7.24
